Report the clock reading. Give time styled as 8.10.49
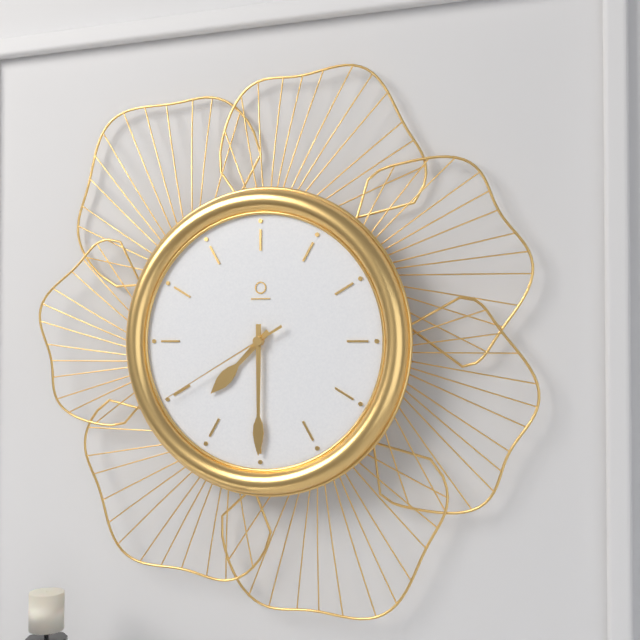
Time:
7.30.40
